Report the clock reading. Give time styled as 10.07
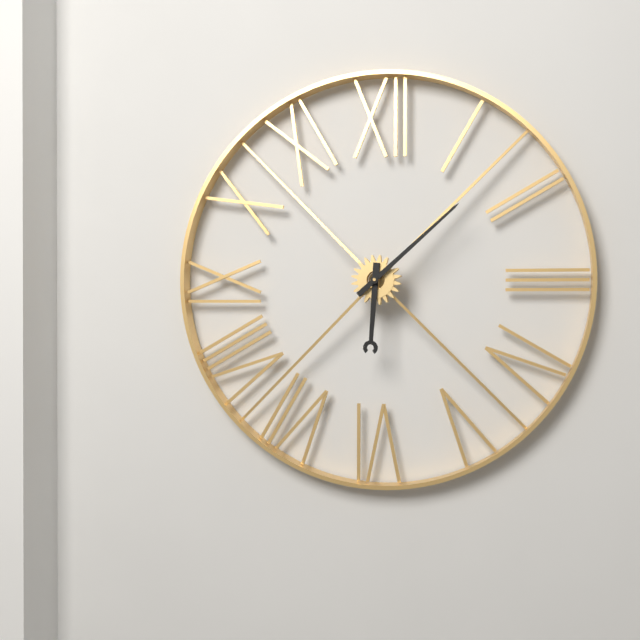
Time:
6.08
